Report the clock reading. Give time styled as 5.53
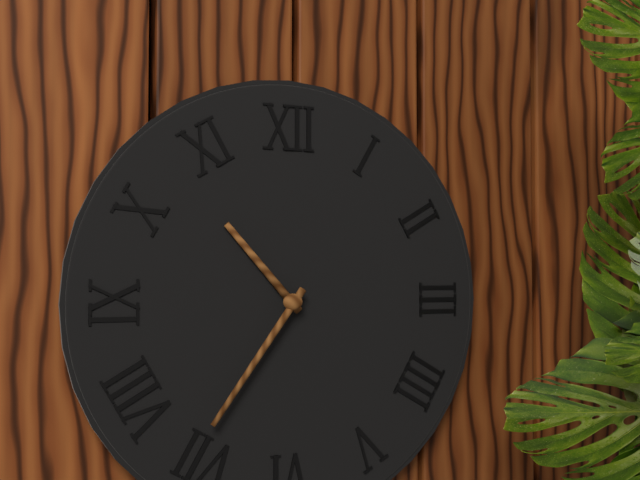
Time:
10.36
